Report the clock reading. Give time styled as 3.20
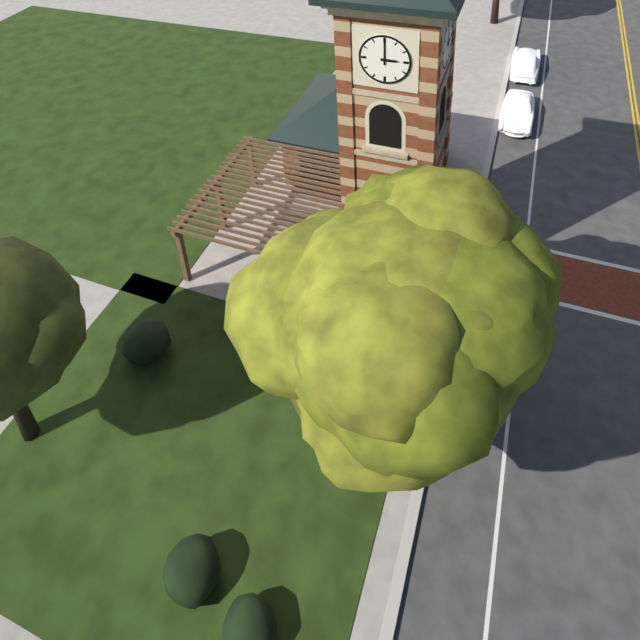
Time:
3.00
